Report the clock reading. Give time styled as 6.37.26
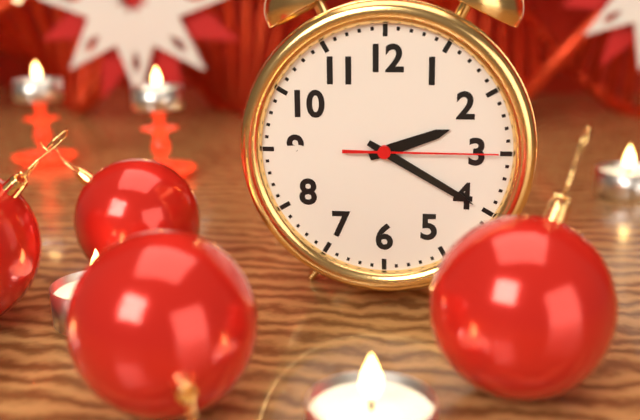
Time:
2.20.15
